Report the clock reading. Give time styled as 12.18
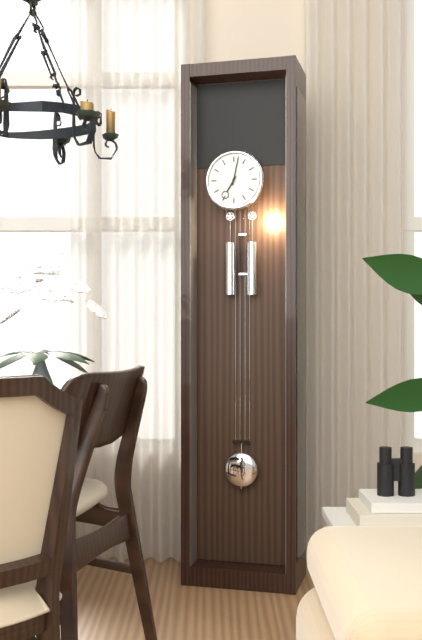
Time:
7.02
